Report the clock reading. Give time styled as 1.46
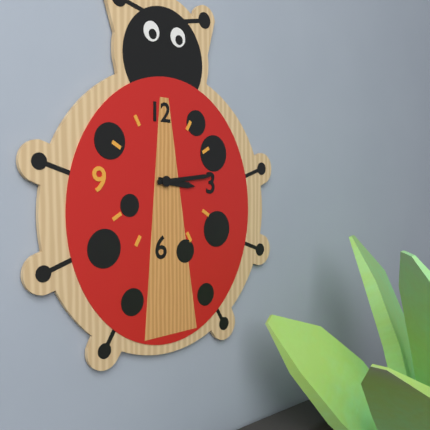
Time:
3.14
